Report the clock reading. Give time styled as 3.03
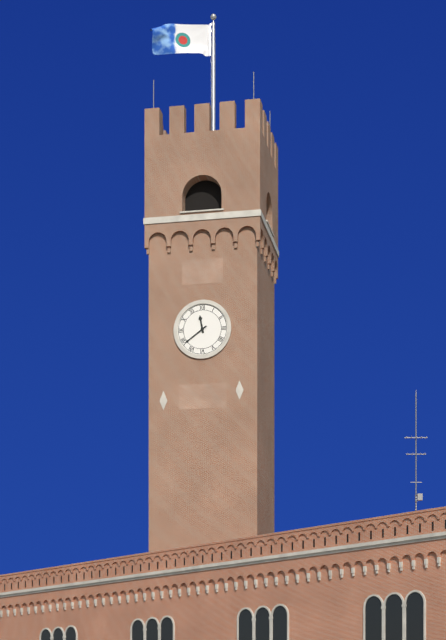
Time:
11.39
